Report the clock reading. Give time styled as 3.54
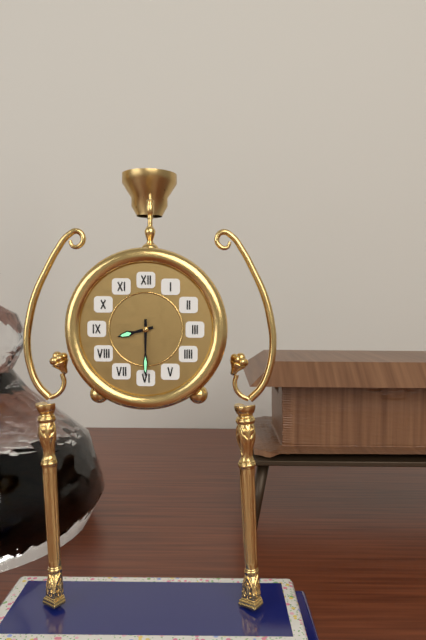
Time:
8.30
